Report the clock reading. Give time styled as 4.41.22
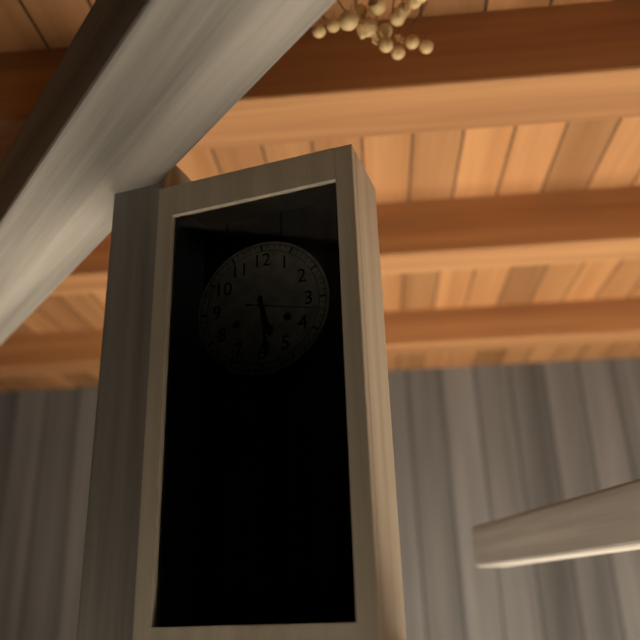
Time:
5.29.17
